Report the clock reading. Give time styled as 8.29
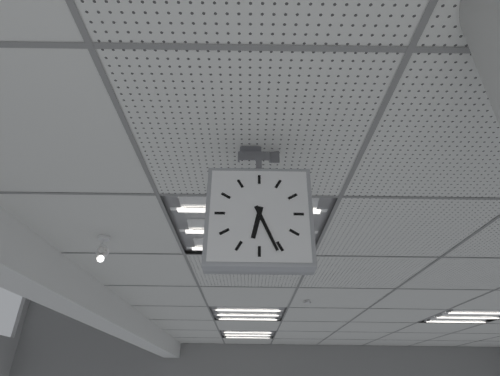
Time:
6.26
